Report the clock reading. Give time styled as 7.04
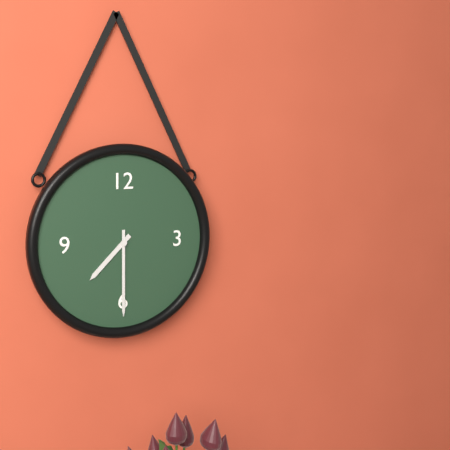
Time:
7.30
